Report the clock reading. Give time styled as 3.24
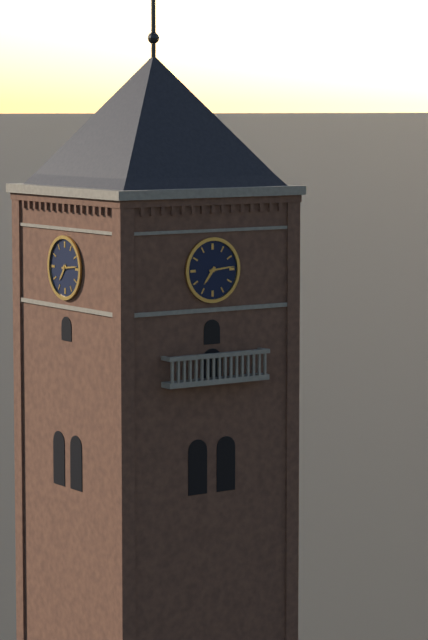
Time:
7.14
